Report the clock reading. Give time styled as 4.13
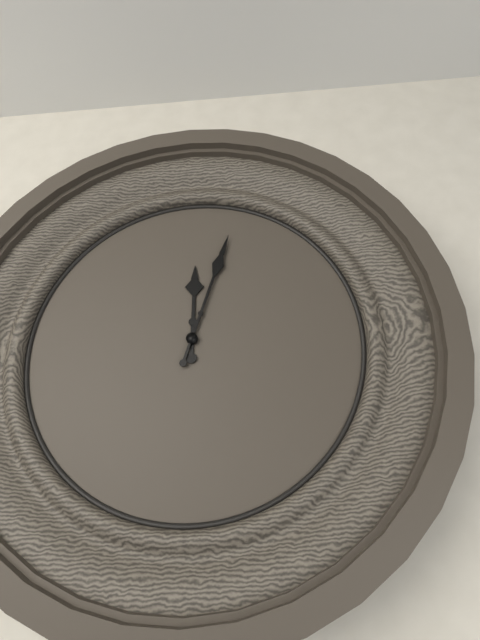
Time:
12.03
